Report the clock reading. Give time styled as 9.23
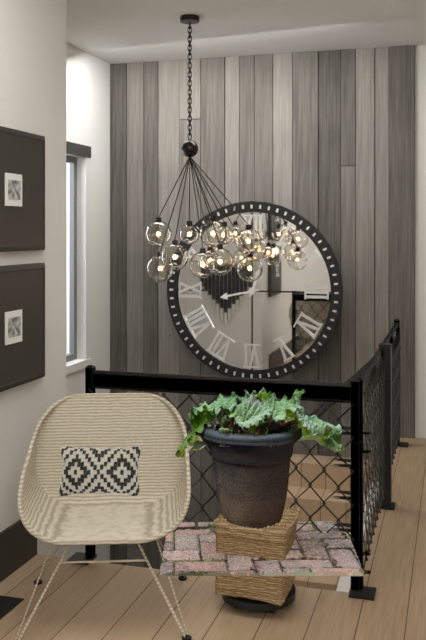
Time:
12.43
